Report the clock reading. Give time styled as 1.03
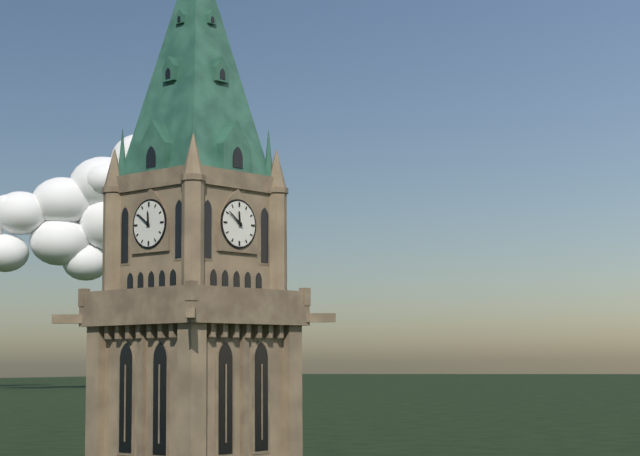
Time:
11.51
